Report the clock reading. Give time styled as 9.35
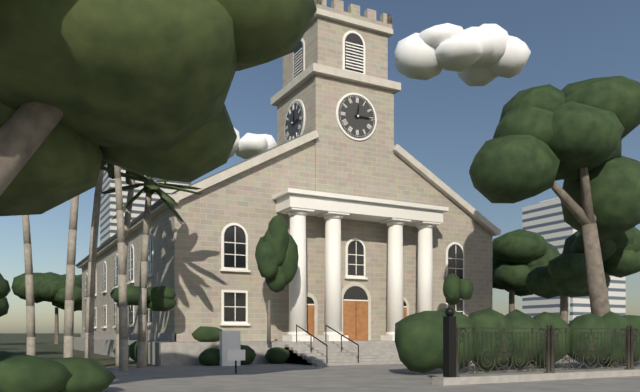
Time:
12.15
